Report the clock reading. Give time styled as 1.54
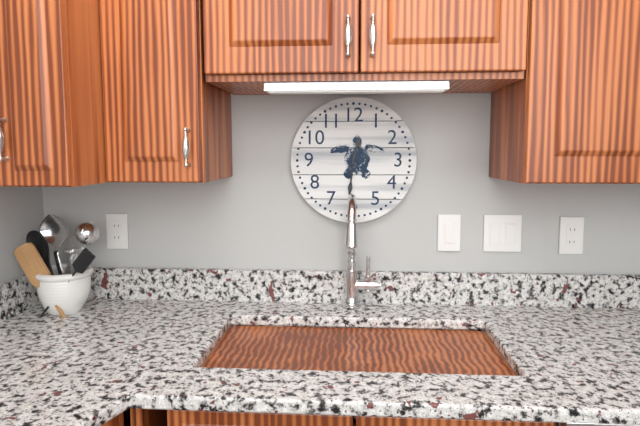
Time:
12.31
